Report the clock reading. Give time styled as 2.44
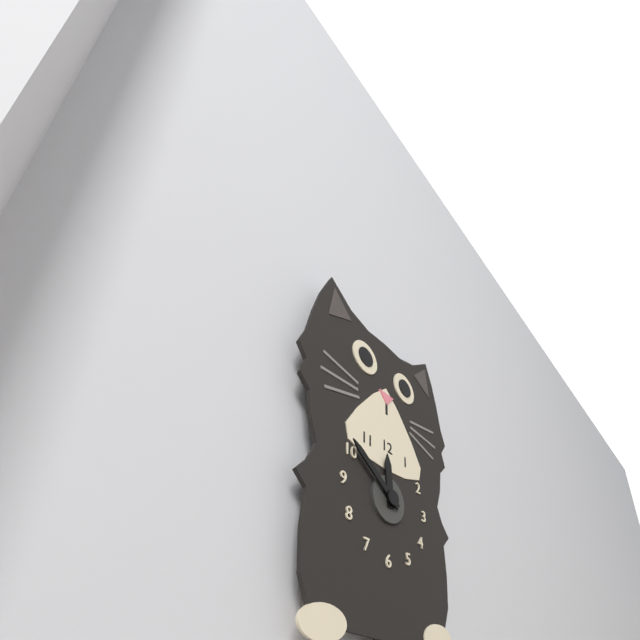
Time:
11.51
